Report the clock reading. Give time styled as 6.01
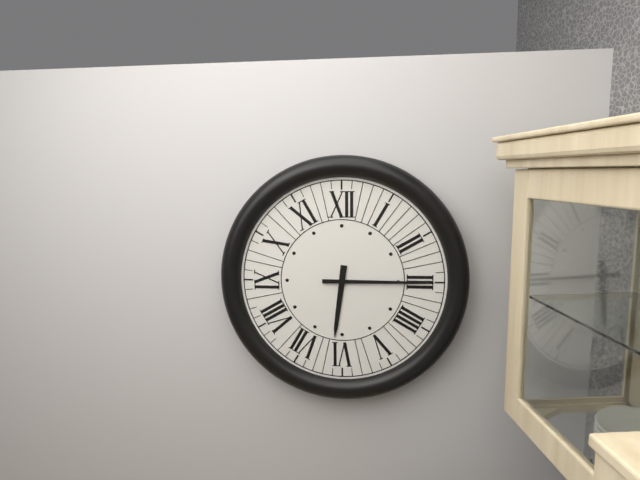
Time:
6.15
